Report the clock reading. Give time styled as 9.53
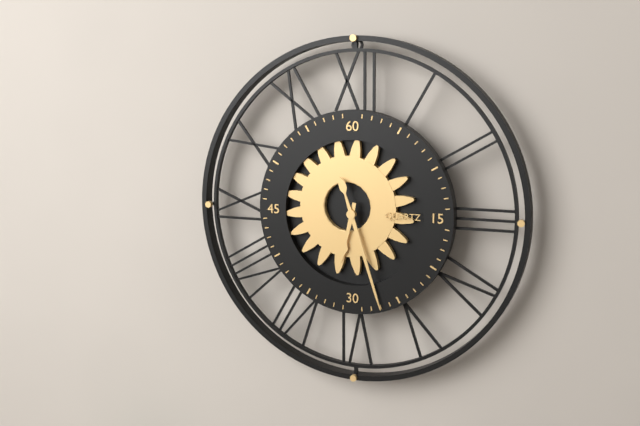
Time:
6.27
